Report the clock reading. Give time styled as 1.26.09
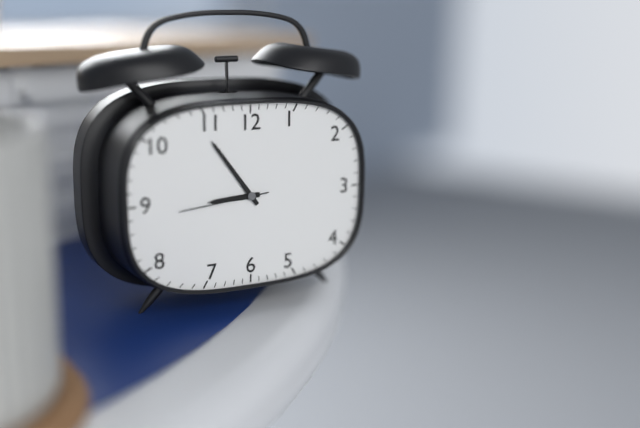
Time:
8.54.44
